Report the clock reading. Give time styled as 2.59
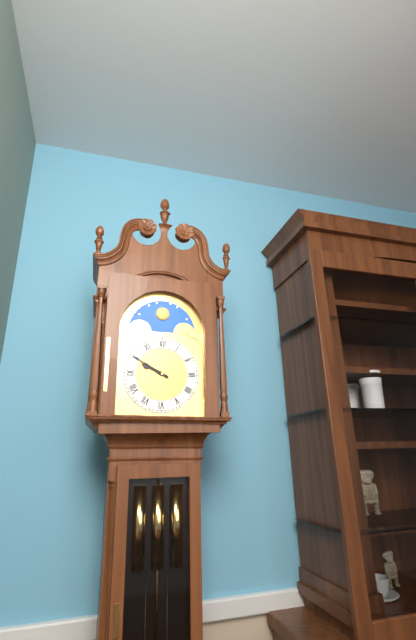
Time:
9.50
